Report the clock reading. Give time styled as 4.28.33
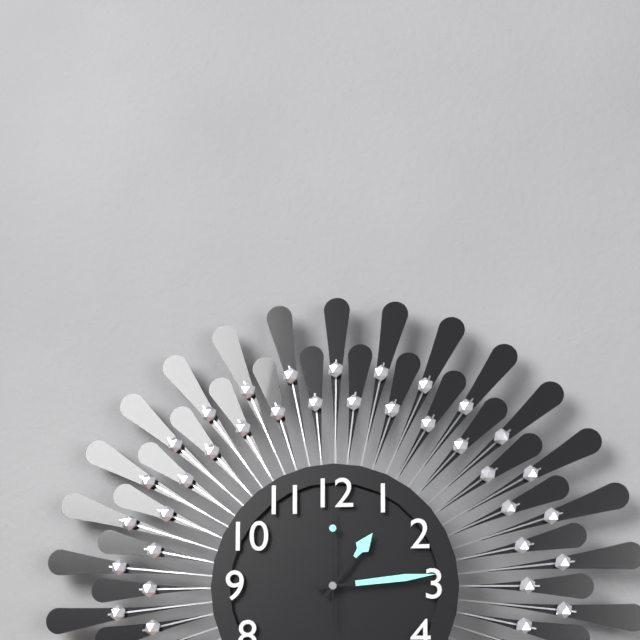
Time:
1.14.00
